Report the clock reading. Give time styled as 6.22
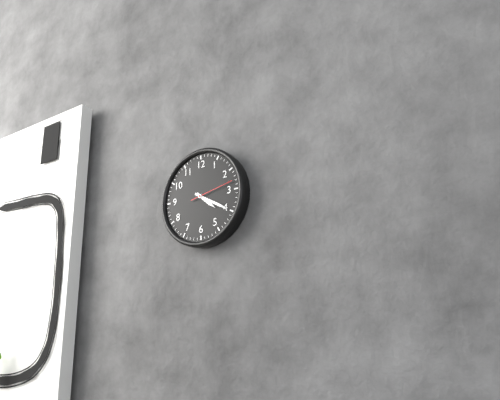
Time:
4.20
